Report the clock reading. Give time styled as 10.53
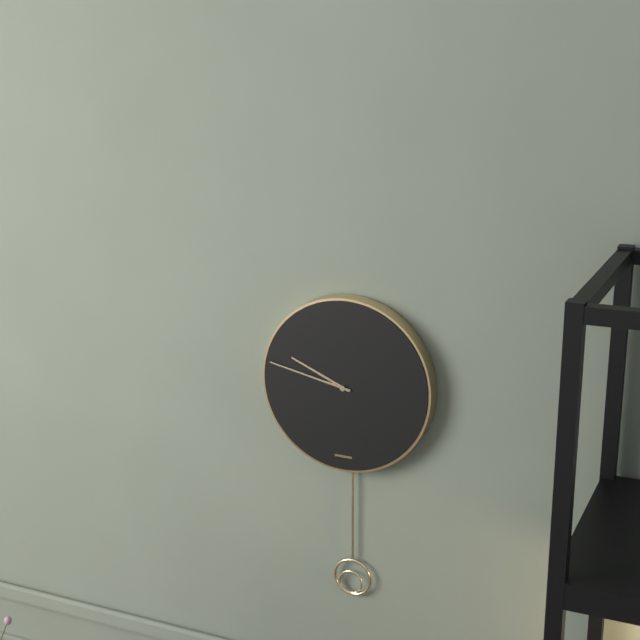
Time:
9.47
